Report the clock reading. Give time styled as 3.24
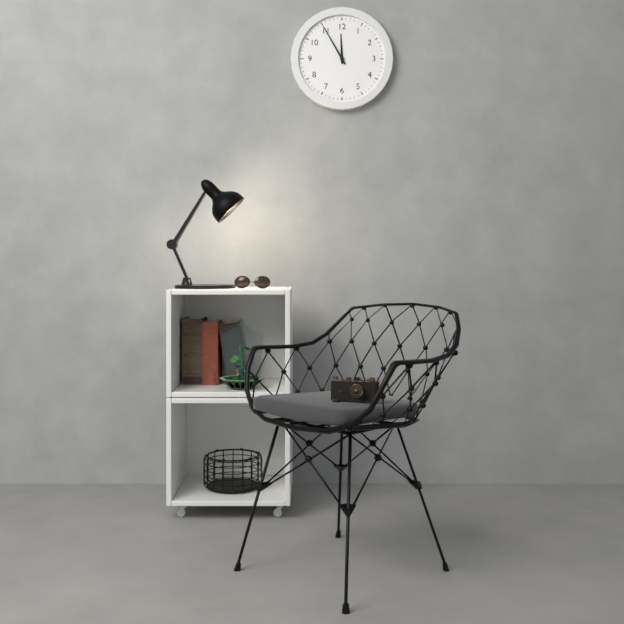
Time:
11.55
